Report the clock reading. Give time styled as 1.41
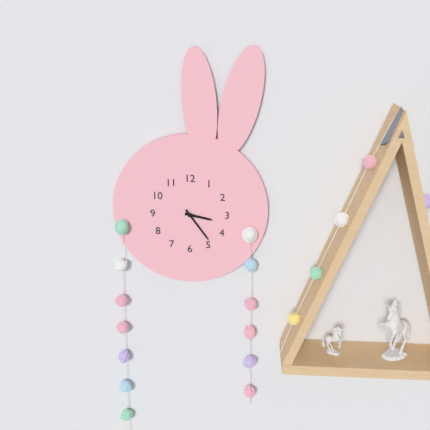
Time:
3.24
